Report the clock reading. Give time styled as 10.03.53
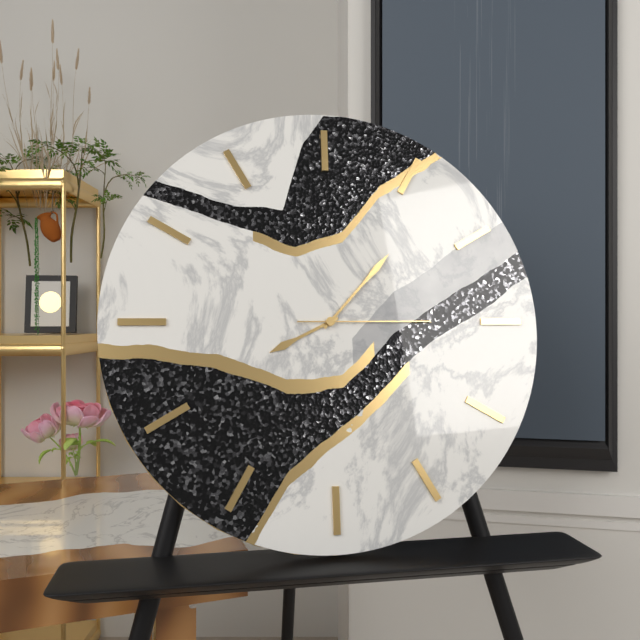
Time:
8.07.15
